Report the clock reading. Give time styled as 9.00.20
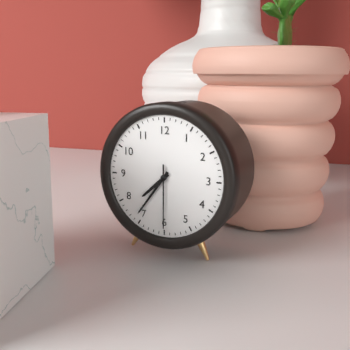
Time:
7.36.30
